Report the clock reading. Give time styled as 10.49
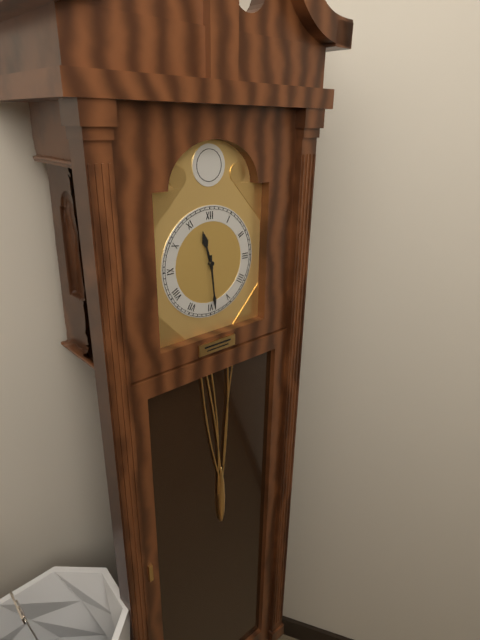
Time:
11.29
